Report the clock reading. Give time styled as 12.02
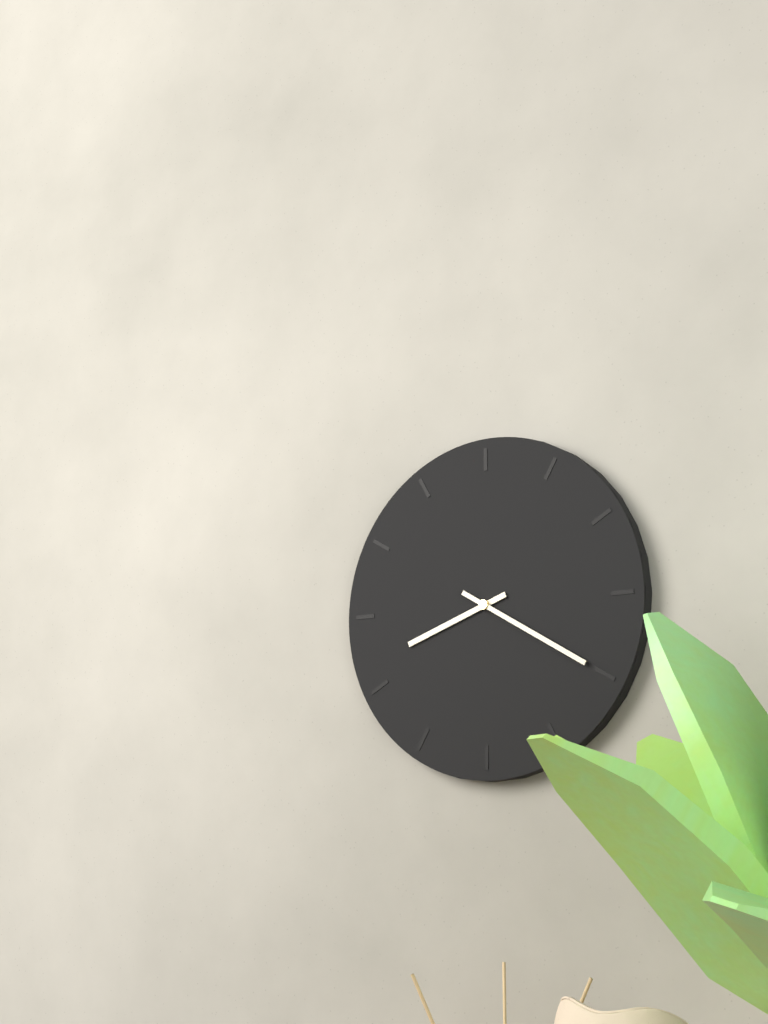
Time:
8.20
